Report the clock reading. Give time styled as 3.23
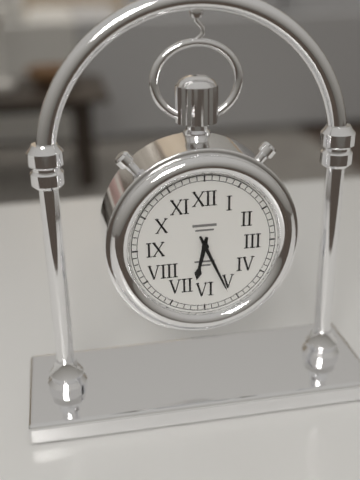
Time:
6.26
